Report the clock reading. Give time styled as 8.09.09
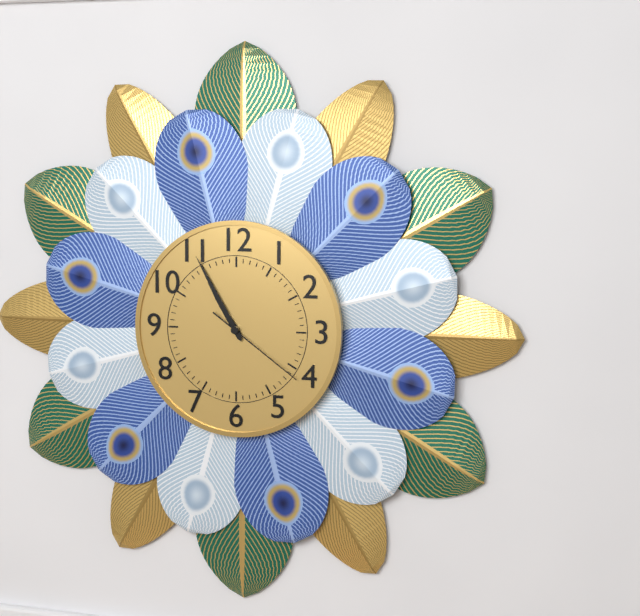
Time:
10.55.21
